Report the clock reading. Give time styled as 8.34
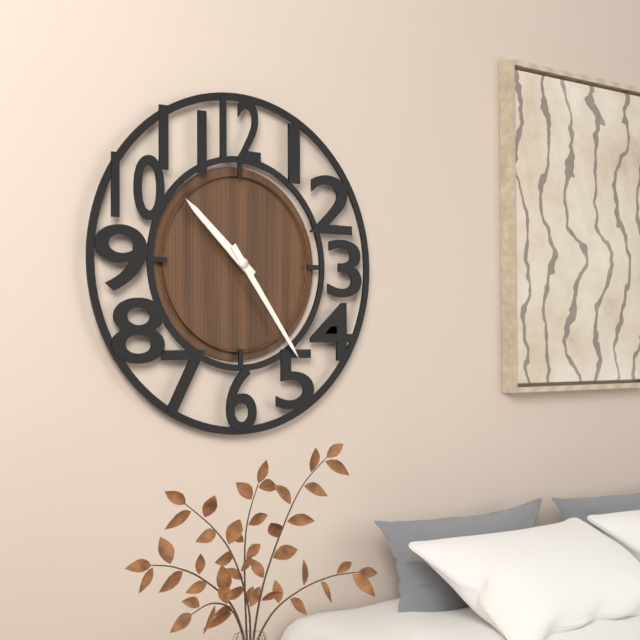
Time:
10.24
